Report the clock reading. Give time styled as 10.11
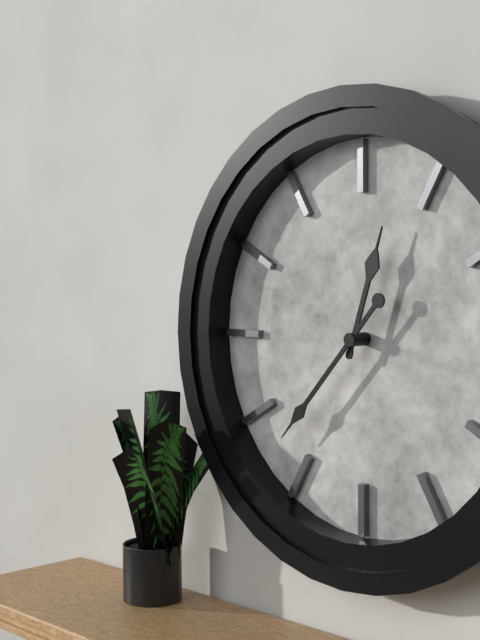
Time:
12.37
